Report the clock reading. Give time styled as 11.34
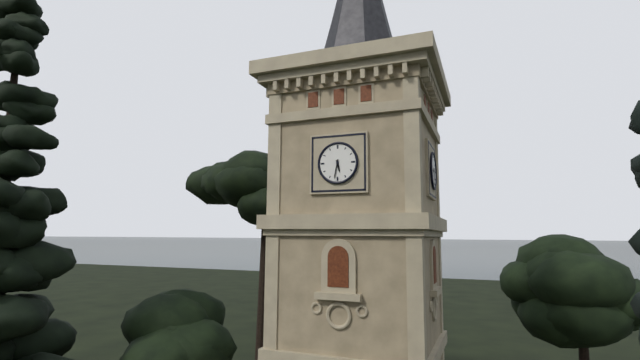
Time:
5.32
